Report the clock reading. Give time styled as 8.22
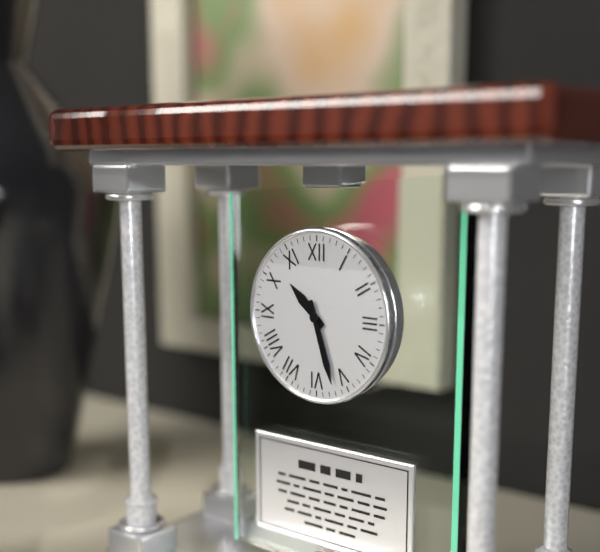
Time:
10.27
